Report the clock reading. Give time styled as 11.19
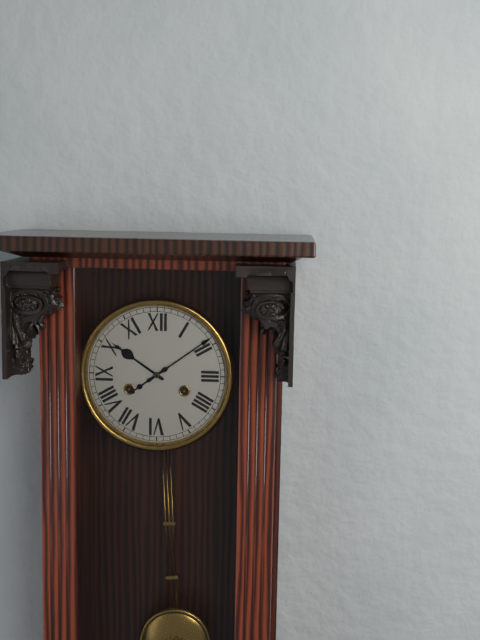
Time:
10.09
